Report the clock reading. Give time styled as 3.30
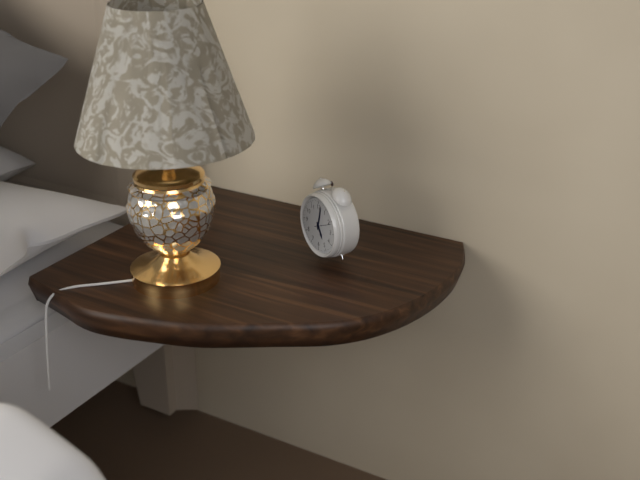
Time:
5.02
